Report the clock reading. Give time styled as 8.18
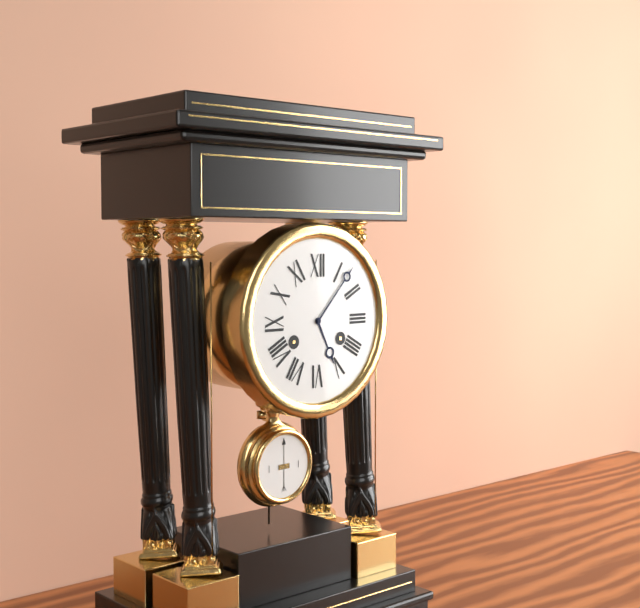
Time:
5.07
